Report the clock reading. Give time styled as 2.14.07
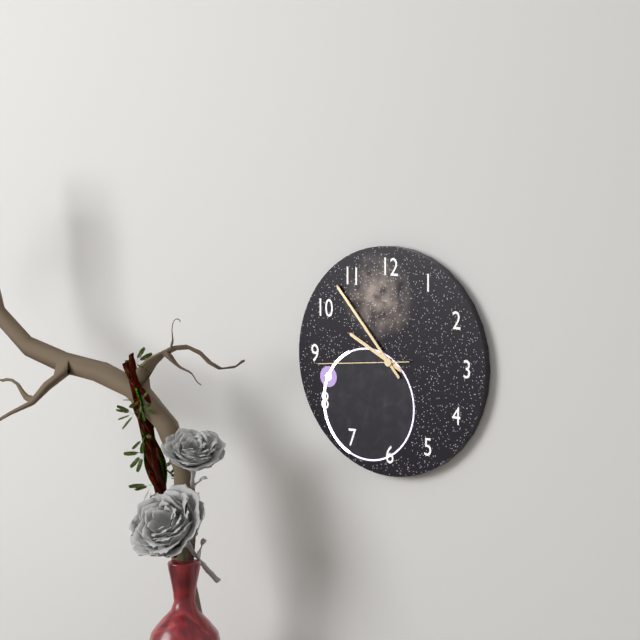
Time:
9.53.44
